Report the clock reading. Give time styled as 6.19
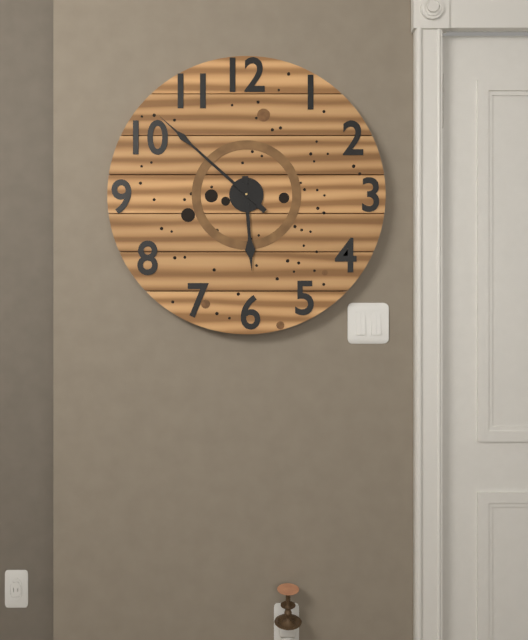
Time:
5.52
